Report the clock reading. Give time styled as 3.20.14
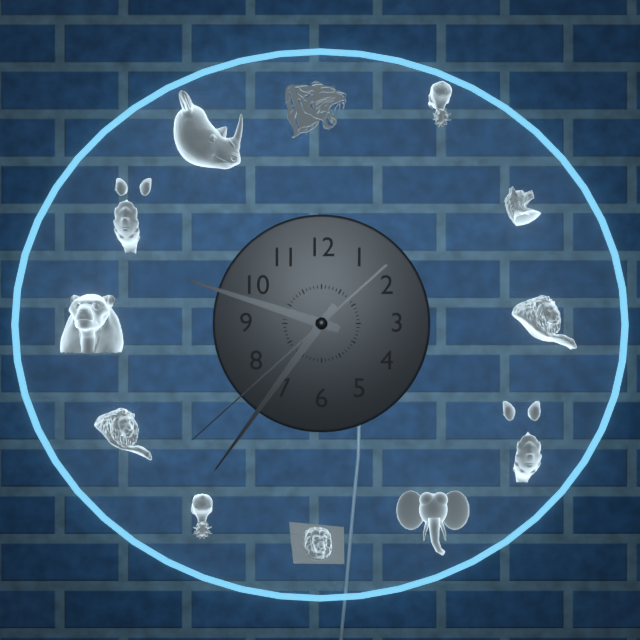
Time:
9.36.38
